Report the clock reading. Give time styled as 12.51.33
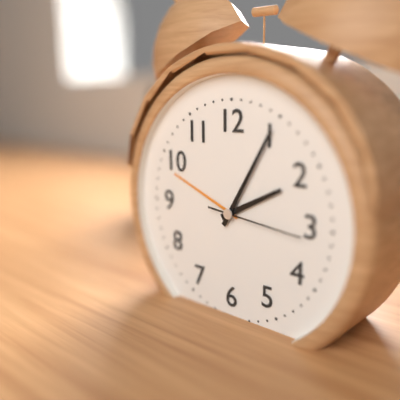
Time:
2.05.16
